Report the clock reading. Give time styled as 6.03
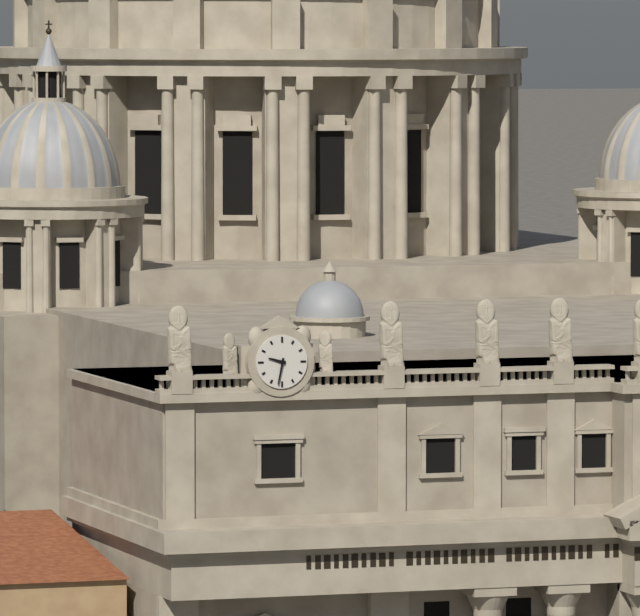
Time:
9.32
